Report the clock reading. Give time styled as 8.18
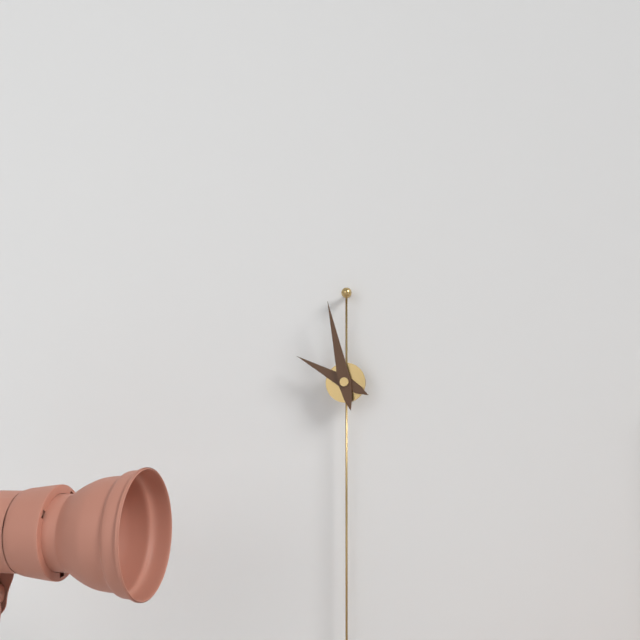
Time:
9.58
